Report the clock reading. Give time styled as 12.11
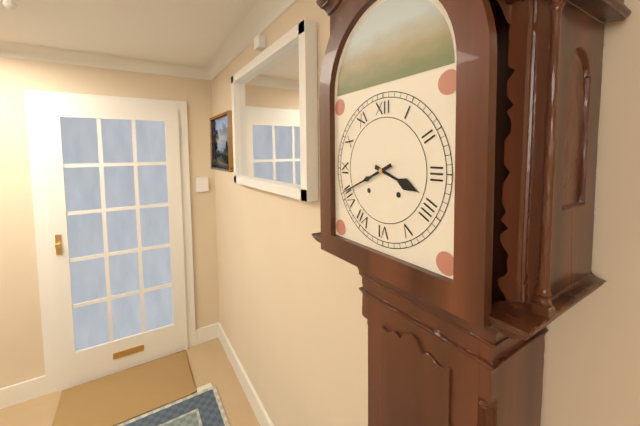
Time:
3.41
